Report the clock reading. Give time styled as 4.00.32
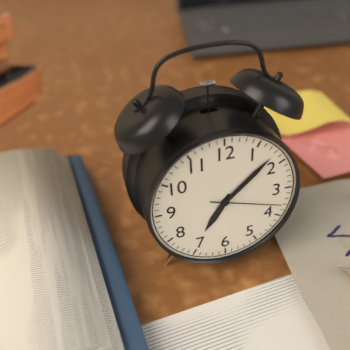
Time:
7.08.18
